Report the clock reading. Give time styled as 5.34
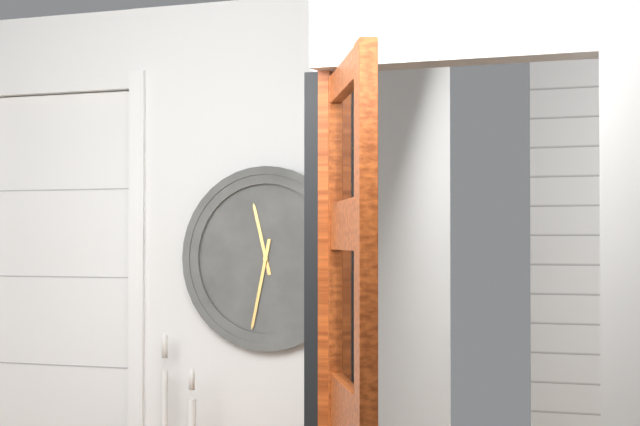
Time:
11.32
